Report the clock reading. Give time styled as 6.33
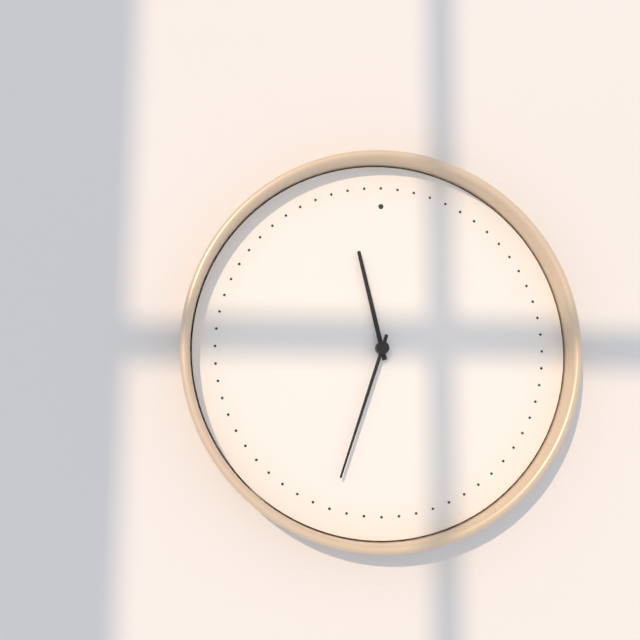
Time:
11.33
